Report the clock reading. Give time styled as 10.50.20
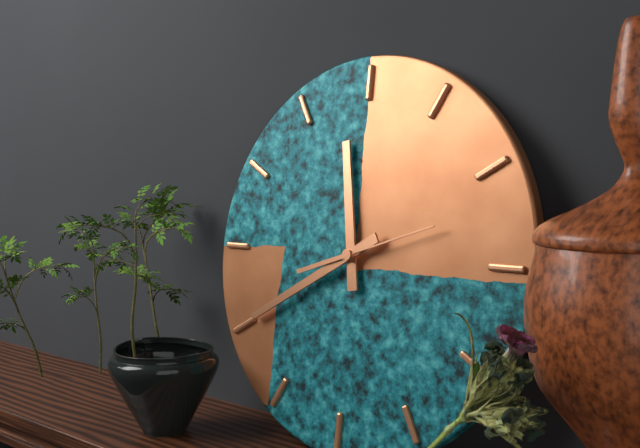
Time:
11.40.12
